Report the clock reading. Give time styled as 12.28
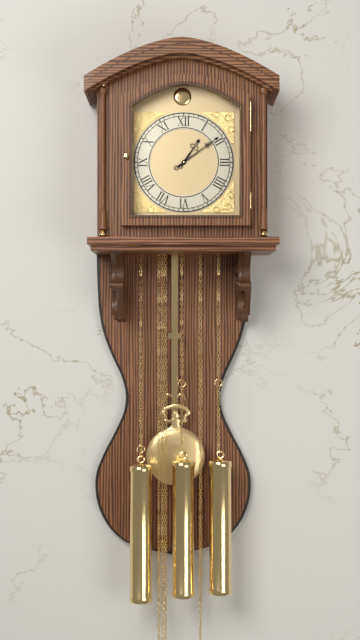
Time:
1.09
